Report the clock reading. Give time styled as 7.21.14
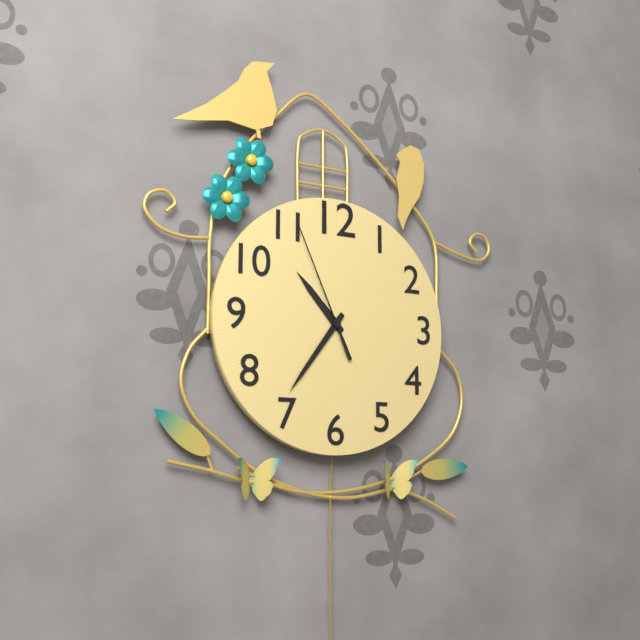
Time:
10.36.56
